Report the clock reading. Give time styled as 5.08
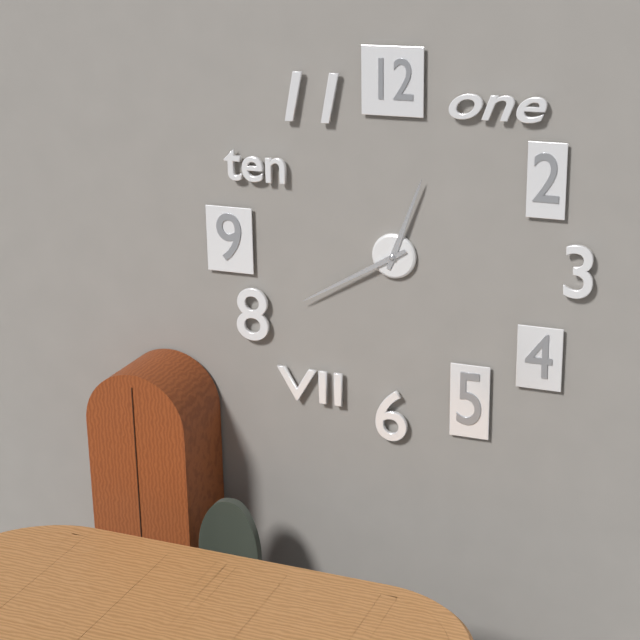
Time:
12.40
